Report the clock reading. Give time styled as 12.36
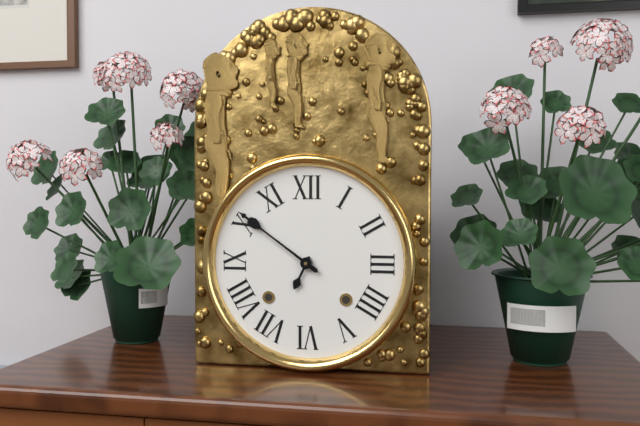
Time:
6.51
